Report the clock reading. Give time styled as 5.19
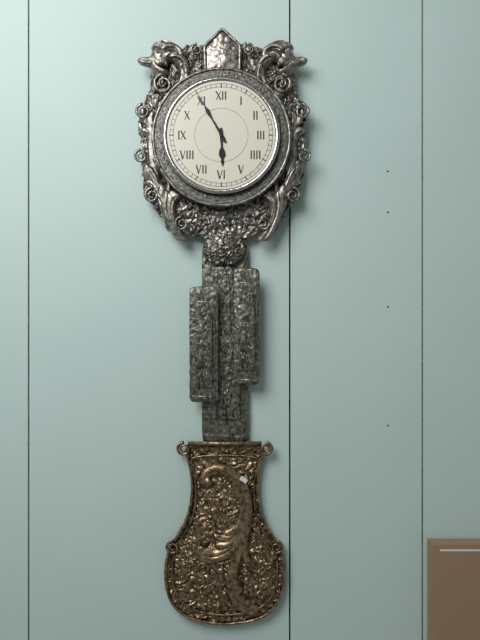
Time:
5.55
